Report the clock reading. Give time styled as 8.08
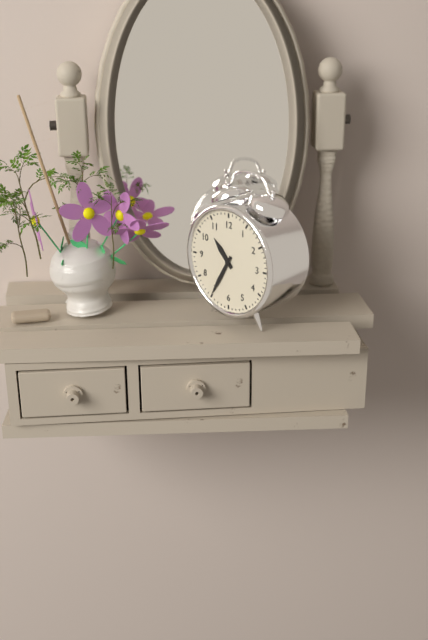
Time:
10.35
